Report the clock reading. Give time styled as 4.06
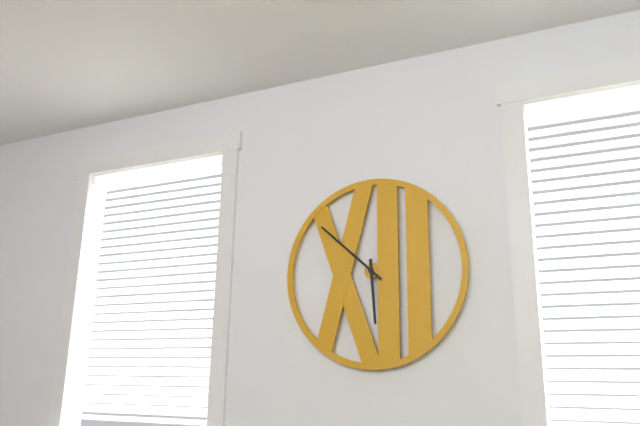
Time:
5.52
